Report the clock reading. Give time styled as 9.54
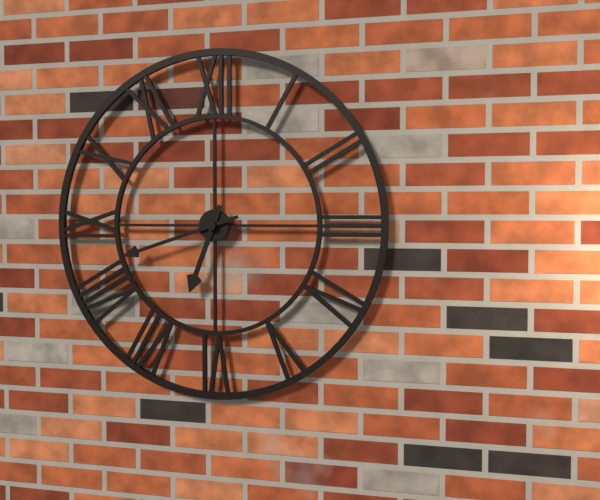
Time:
6.42
